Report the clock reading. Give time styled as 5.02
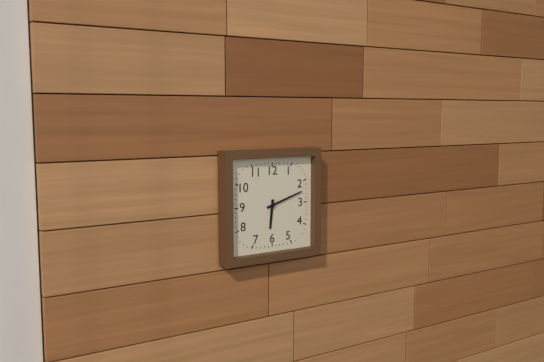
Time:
6.12
